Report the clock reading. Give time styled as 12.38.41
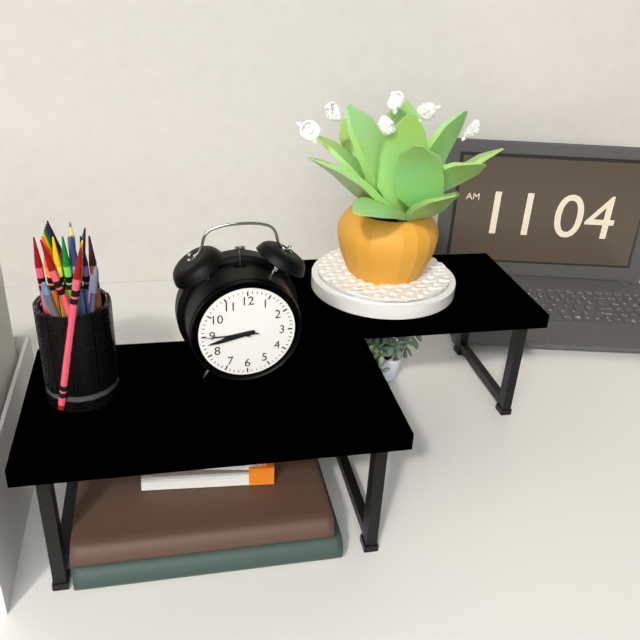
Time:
8.43.45
